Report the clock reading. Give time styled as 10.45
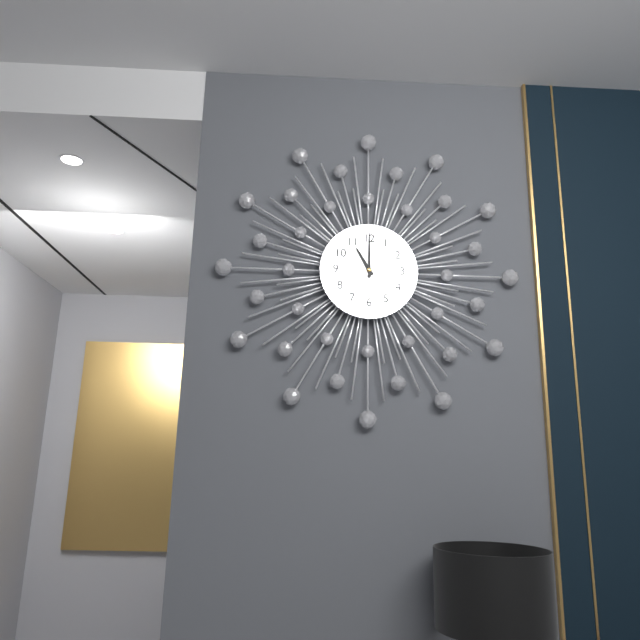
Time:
11.00
